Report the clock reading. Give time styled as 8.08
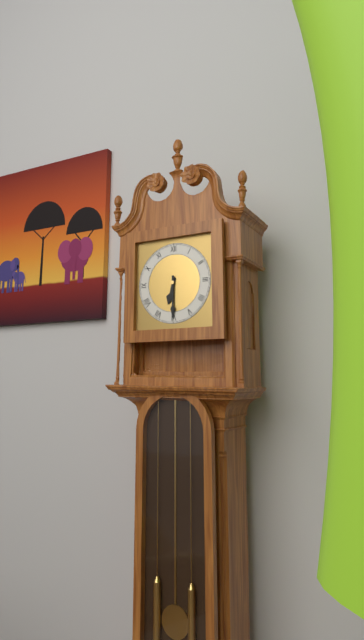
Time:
6.30
